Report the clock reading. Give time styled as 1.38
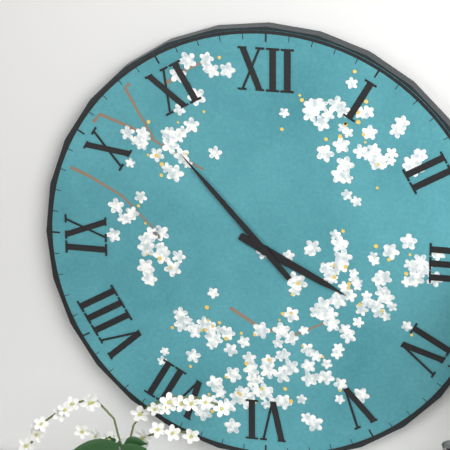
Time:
3.53
